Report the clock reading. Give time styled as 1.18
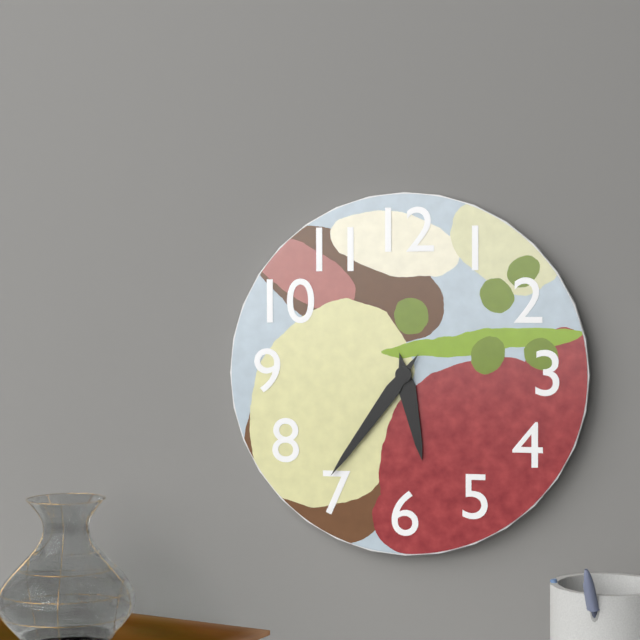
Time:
5.36
